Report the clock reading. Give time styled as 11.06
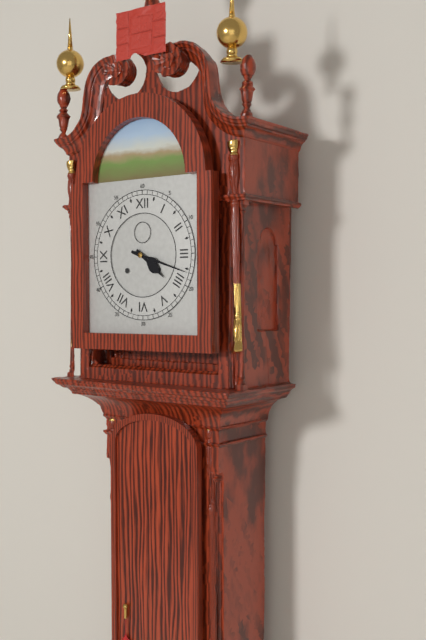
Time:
4.18
